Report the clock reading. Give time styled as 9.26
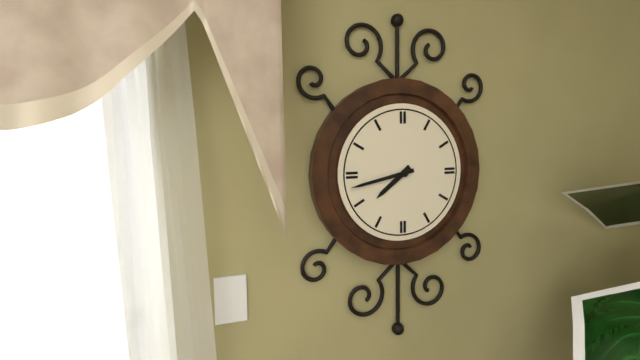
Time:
7.43
